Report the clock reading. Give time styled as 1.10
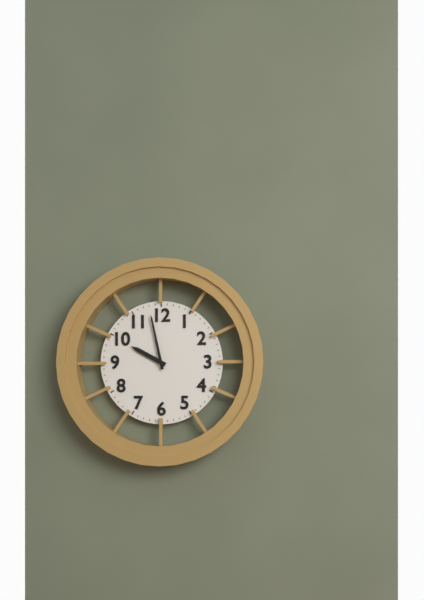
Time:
9.58
